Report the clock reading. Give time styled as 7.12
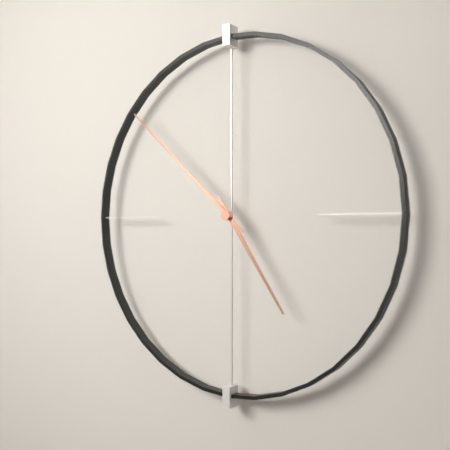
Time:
4.52
